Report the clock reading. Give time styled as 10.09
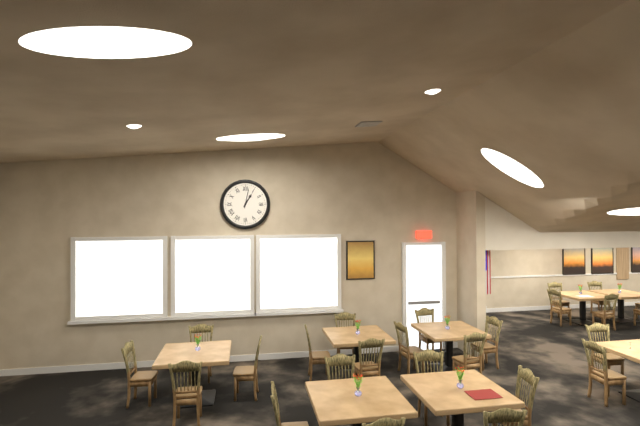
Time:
1.02
